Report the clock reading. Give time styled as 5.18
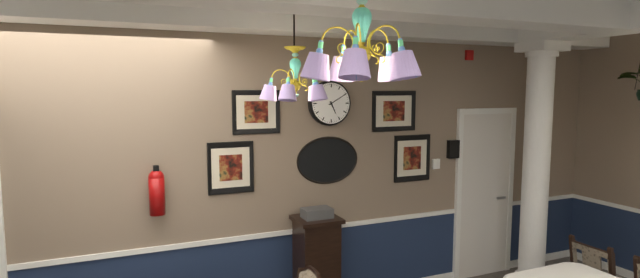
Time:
5.10
